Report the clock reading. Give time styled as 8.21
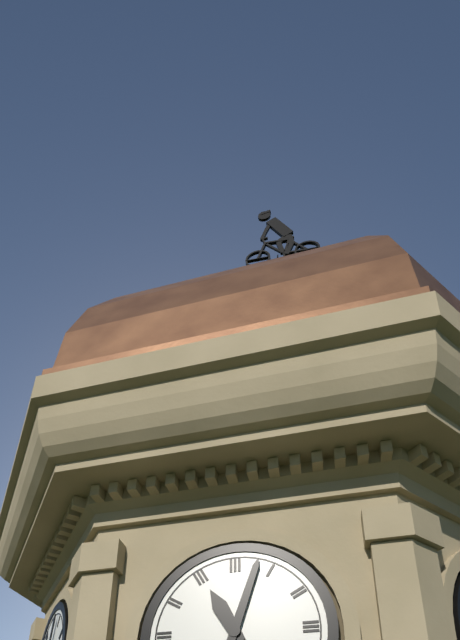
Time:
11.03
